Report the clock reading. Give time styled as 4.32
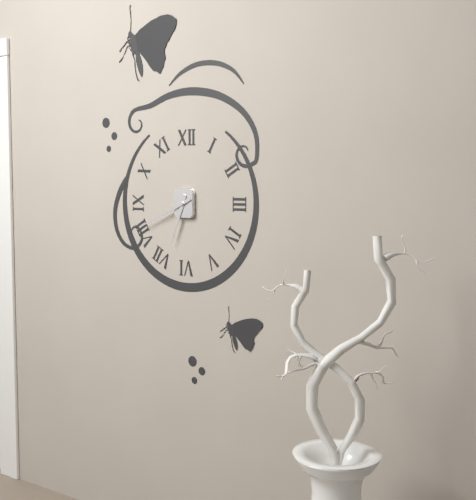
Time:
6.41
